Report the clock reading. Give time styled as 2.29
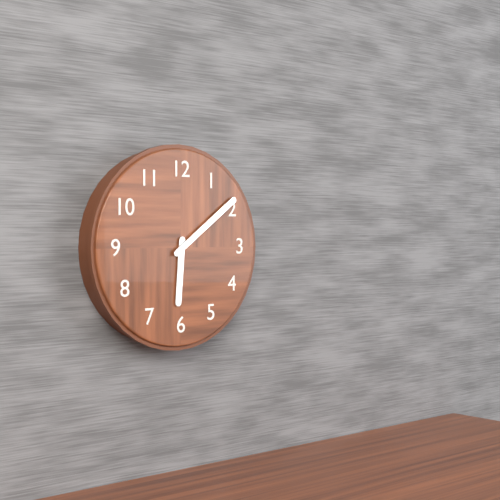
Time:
6.09
